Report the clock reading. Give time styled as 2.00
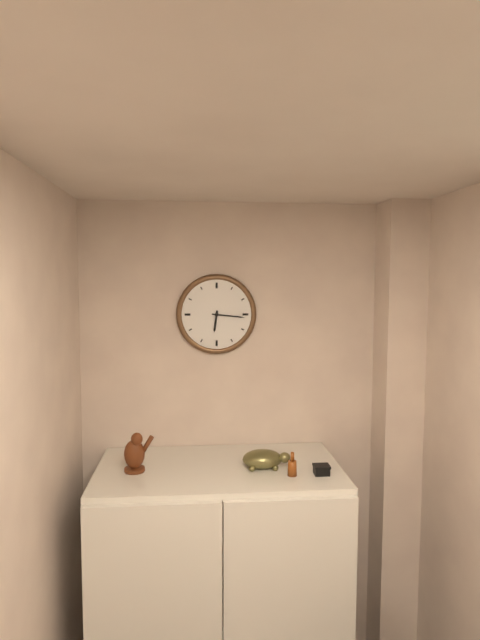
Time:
6.16
